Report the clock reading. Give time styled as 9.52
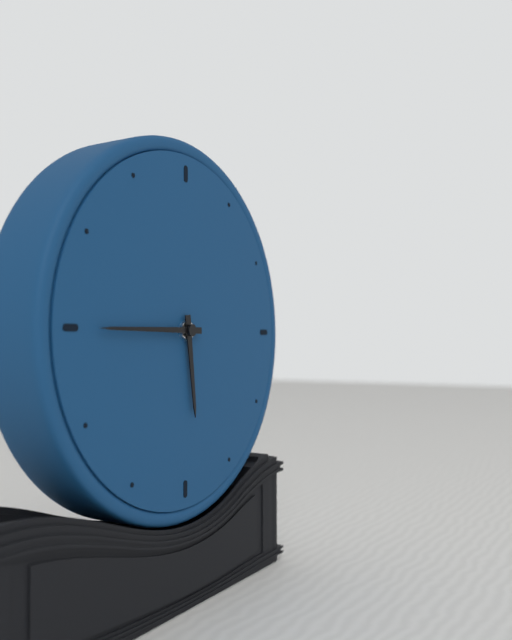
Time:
5.45
